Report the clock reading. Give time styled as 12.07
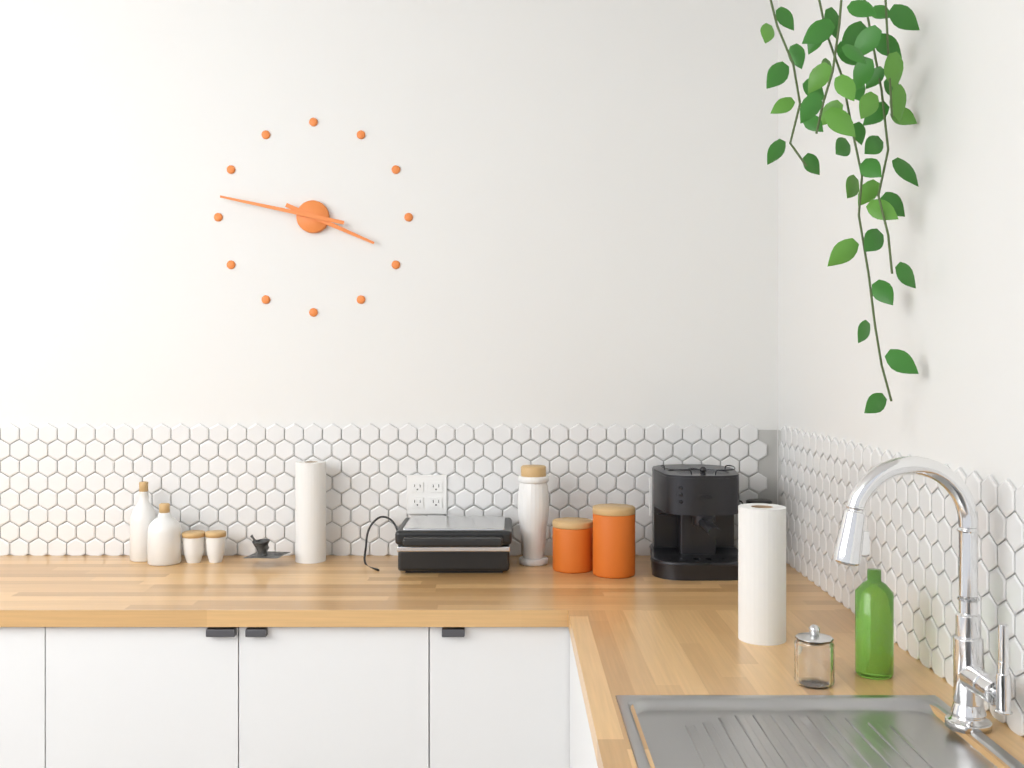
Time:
3.47
